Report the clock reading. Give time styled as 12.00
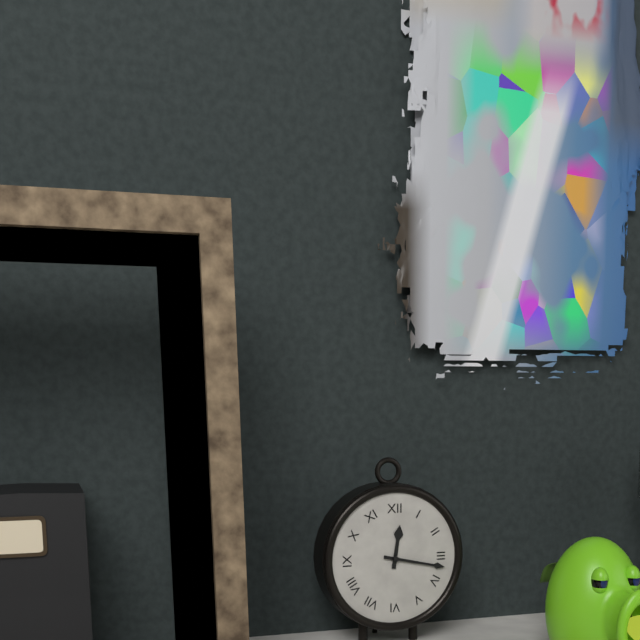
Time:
12.17
